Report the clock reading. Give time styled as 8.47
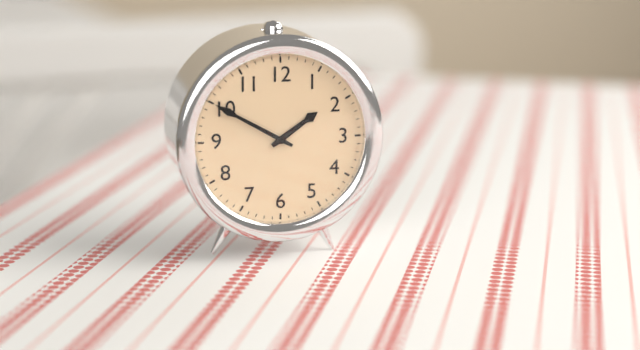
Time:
1.50
